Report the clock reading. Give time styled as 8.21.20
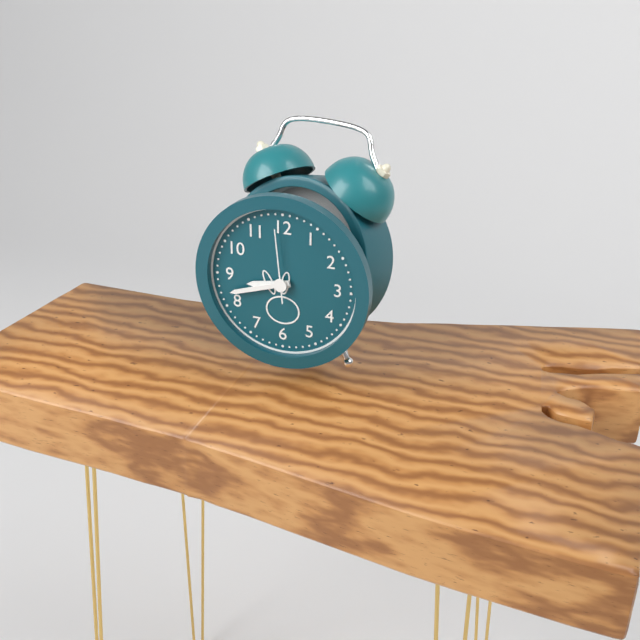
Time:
8.42.59
